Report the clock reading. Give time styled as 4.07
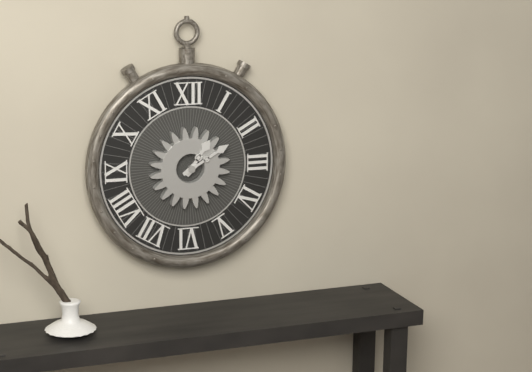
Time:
1.10
